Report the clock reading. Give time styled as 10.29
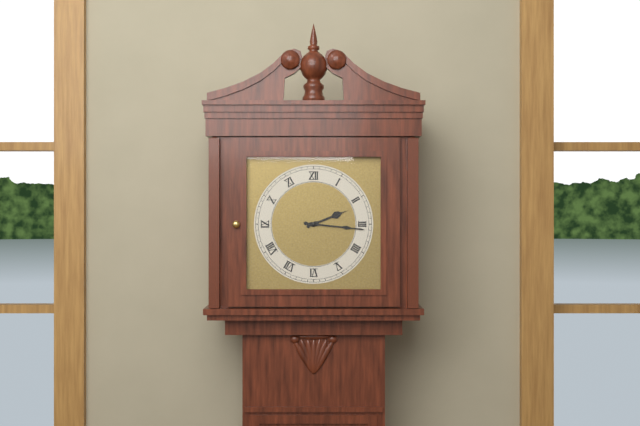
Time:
2.16
